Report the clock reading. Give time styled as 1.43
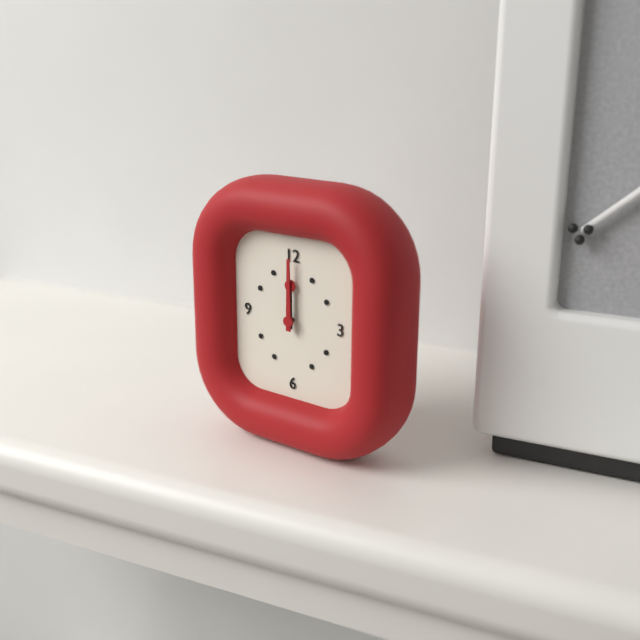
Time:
12.00
